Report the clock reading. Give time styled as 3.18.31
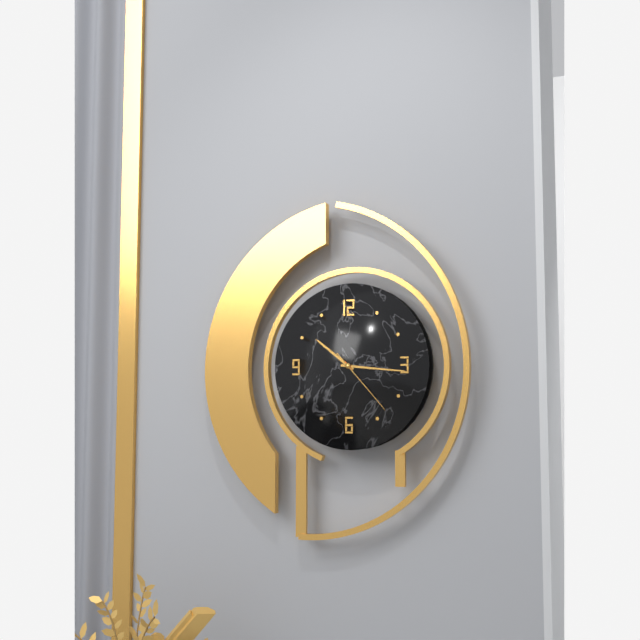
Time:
10.16.23
